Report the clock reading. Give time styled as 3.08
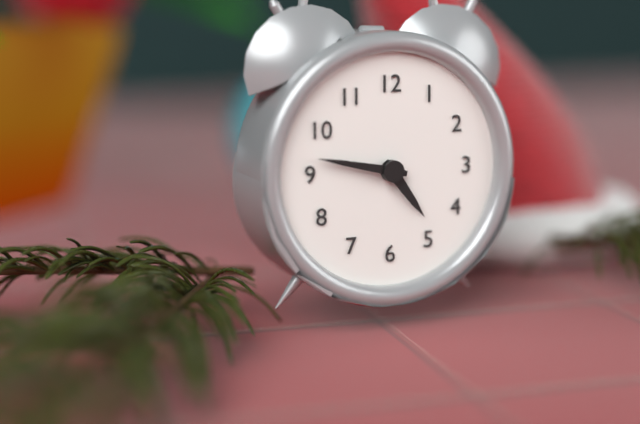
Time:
4.47
